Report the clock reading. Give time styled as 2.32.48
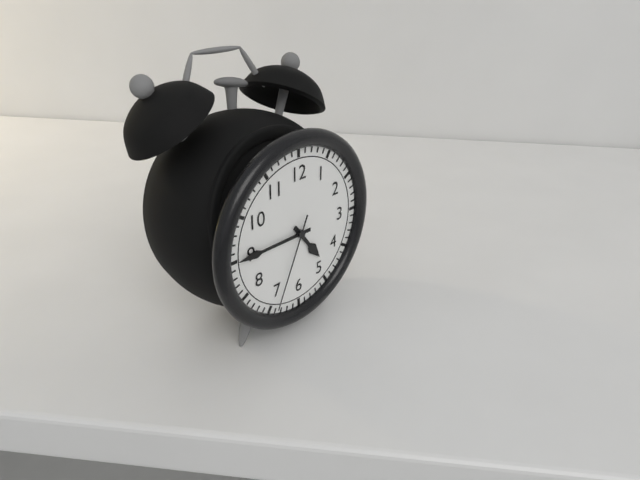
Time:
4.45.34
